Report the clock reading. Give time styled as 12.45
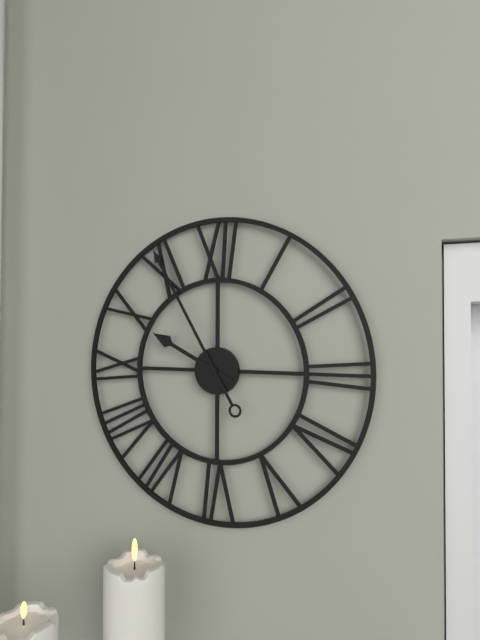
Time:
9.55
